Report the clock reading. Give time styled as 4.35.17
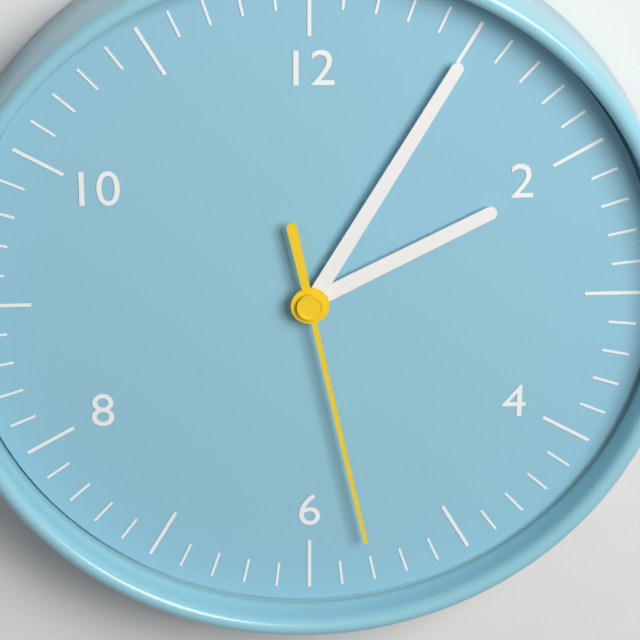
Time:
2.05.28
